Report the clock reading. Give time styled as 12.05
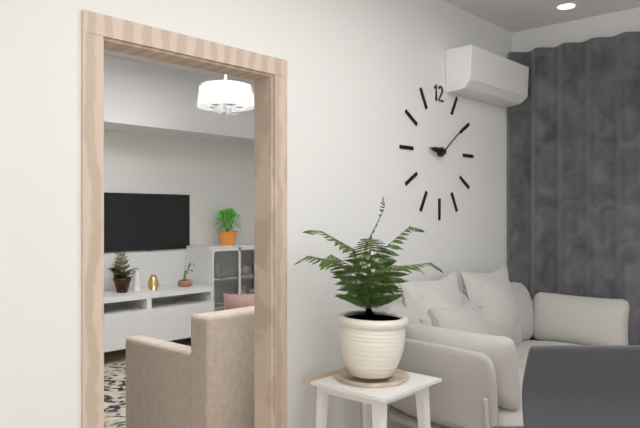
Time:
9.09
